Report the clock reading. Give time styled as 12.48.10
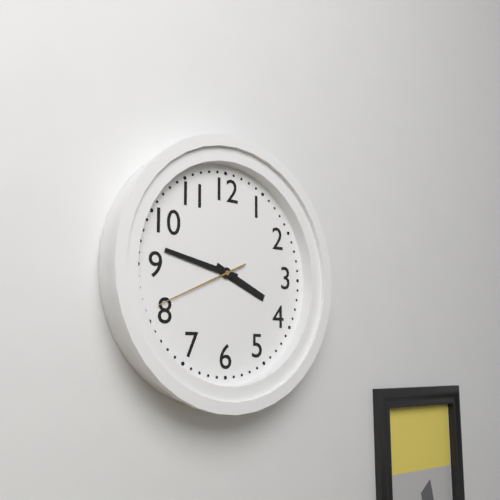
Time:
3.47.41
